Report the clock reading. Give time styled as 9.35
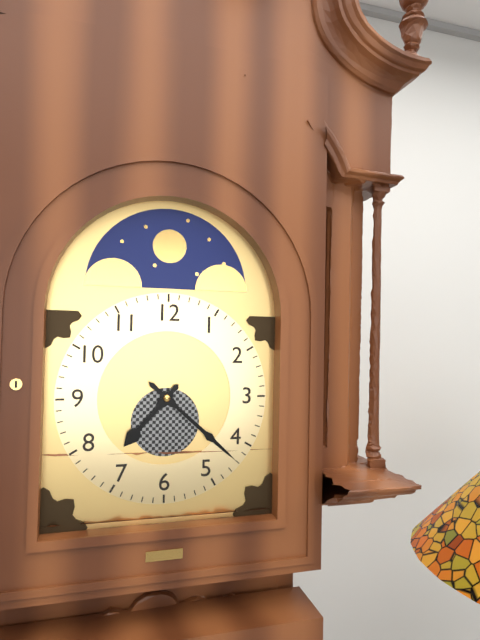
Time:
7.22
